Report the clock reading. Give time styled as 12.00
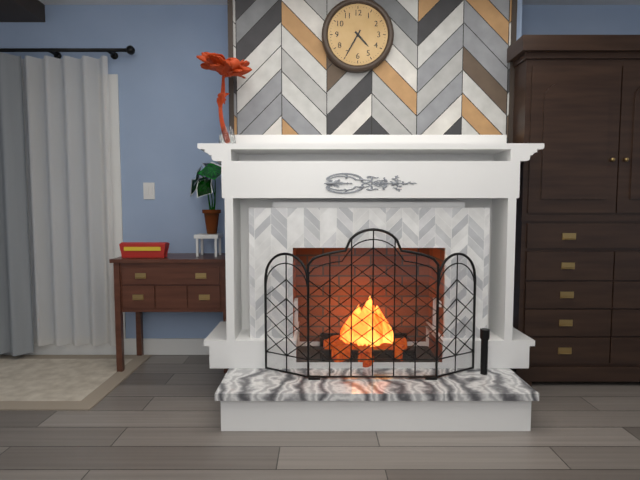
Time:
4.35
